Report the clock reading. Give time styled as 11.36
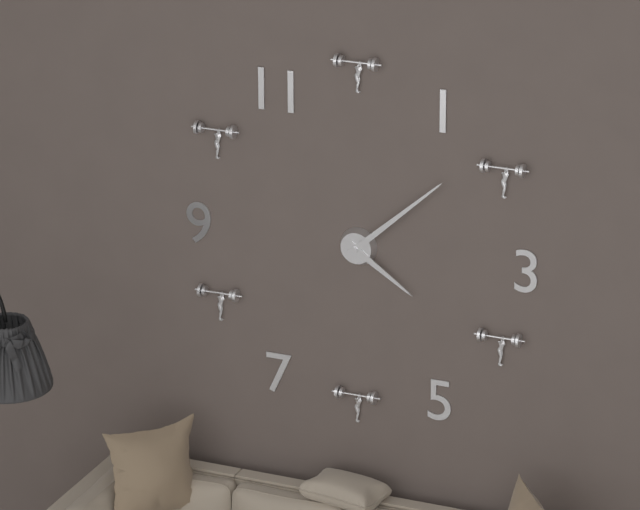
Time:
4.08
